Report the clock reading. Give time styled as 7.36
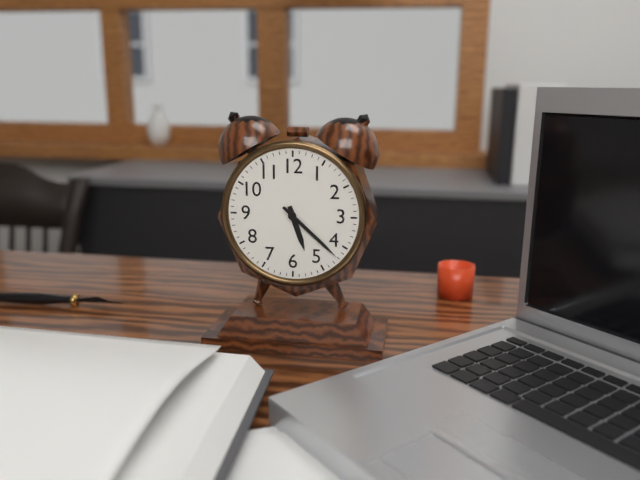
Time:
5.22
